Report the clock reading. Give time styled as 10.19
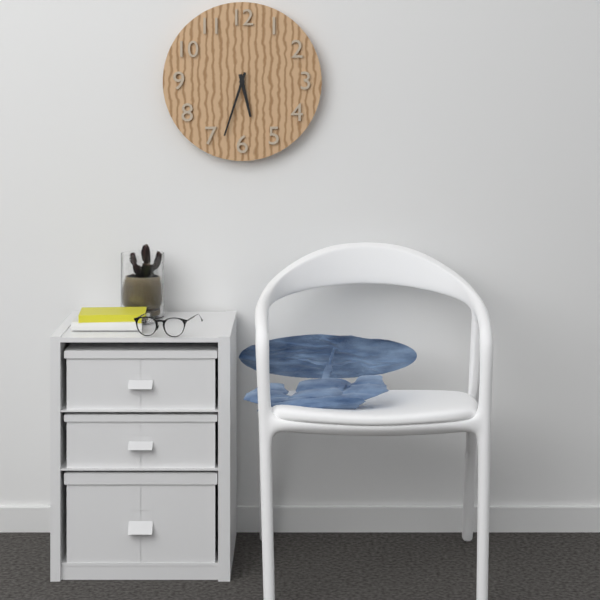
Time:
5.33
